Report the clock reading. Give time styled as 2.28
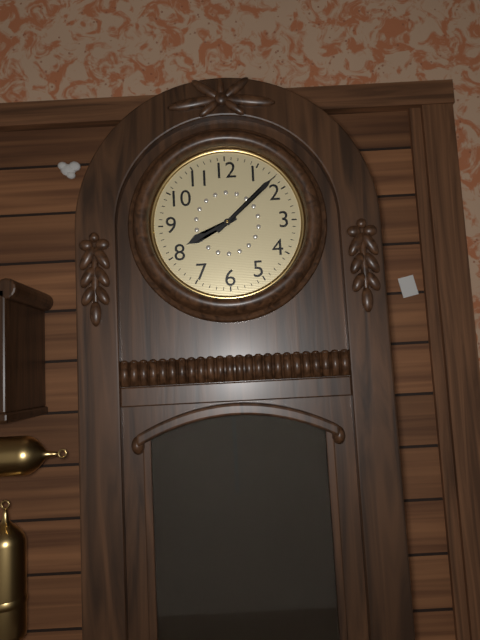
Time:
8.08
